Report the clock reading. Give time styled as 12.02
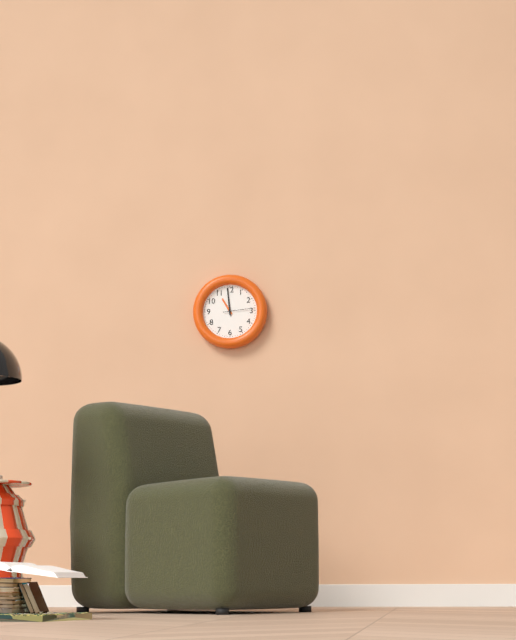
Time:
10.59
